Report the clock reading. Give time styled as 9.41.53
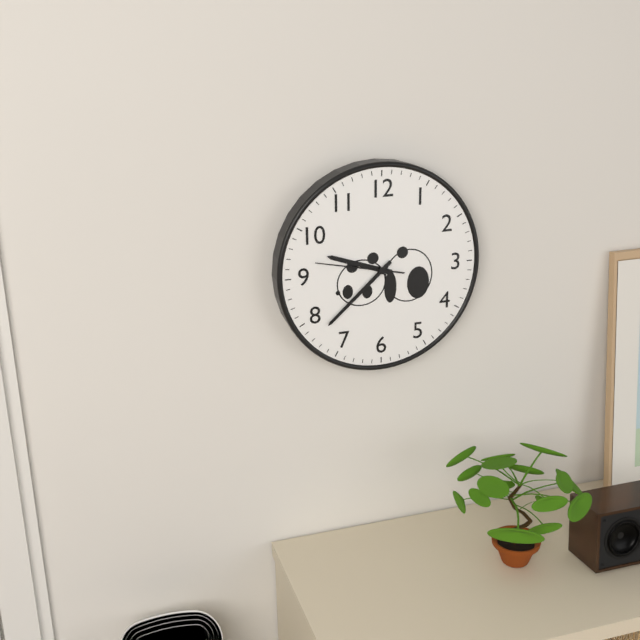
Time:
9.38.47
